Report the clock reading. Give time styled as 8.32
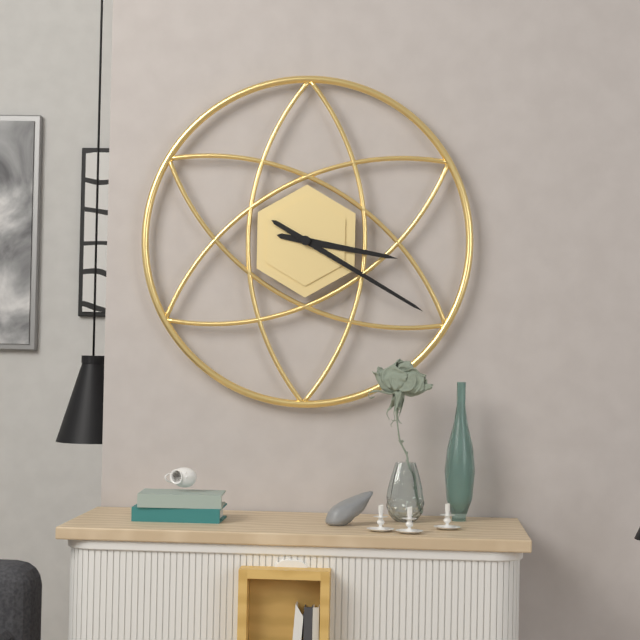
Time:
3.20
